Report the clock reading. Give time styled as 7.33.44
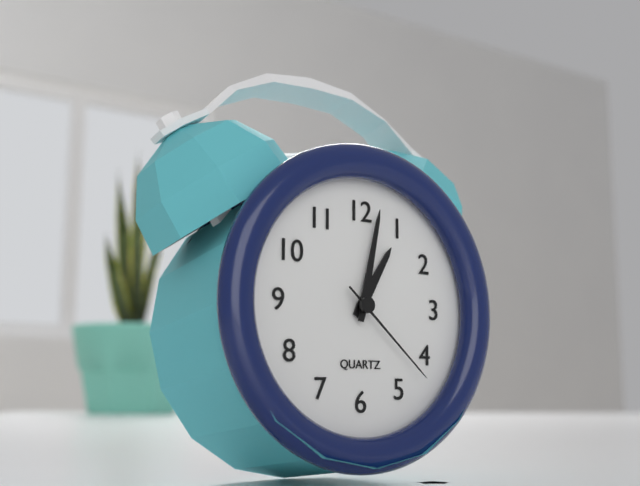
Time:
1.02.22
